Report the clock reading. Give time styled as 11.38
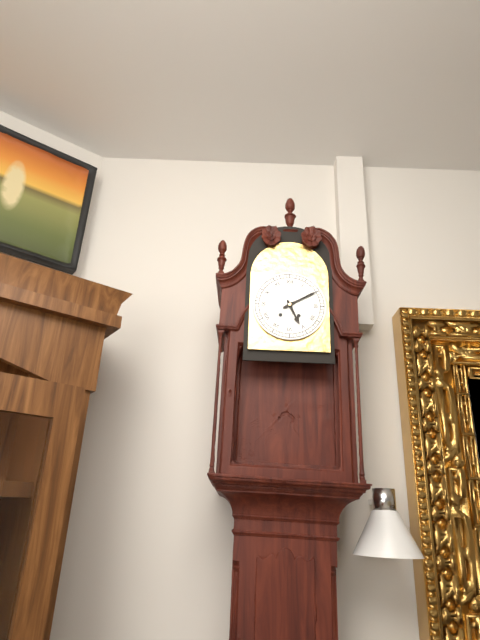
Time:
5.10
